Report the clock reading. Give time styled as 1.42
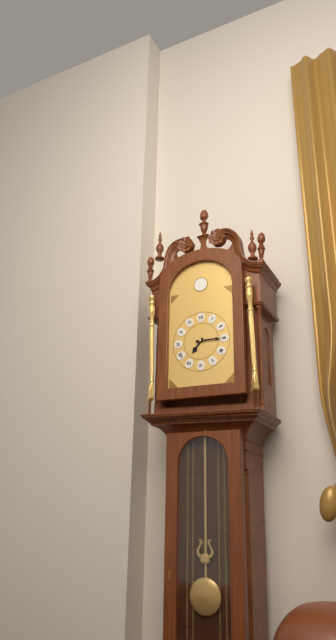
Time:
7.15
